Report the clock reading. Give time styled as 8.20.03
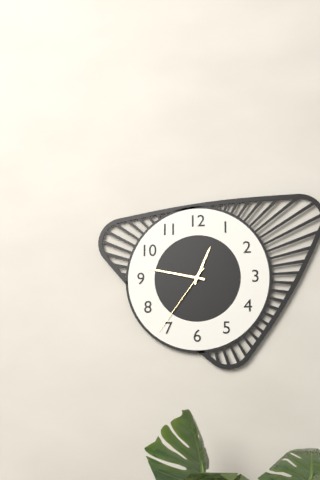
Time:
12.47.36
